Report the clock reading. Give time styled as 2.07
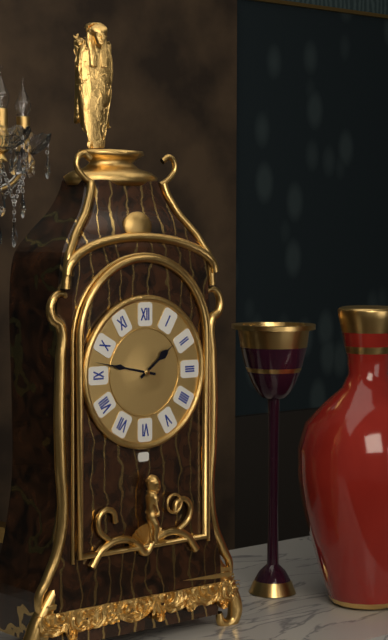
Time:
1.47
